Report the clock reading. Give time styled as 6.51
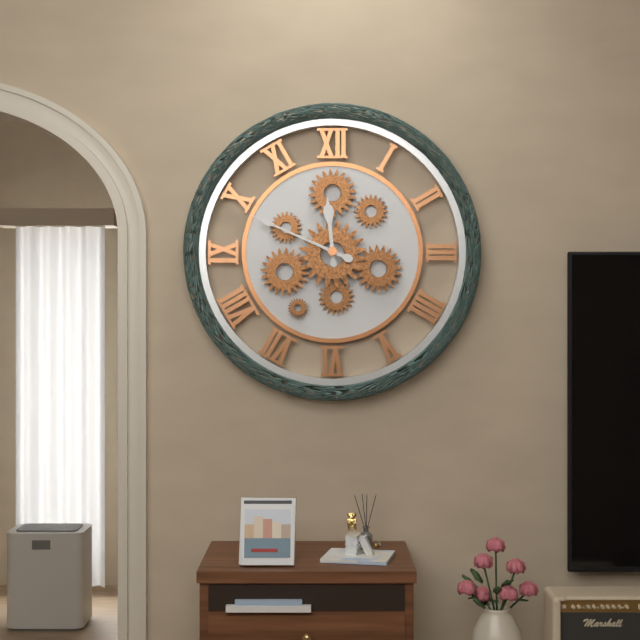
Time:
11.49
